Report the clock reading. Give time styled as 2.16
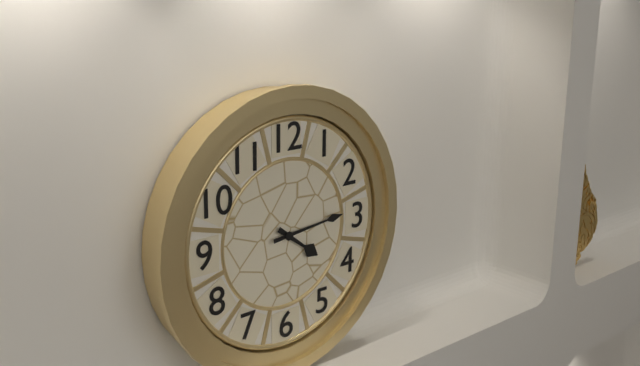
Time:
4.14
